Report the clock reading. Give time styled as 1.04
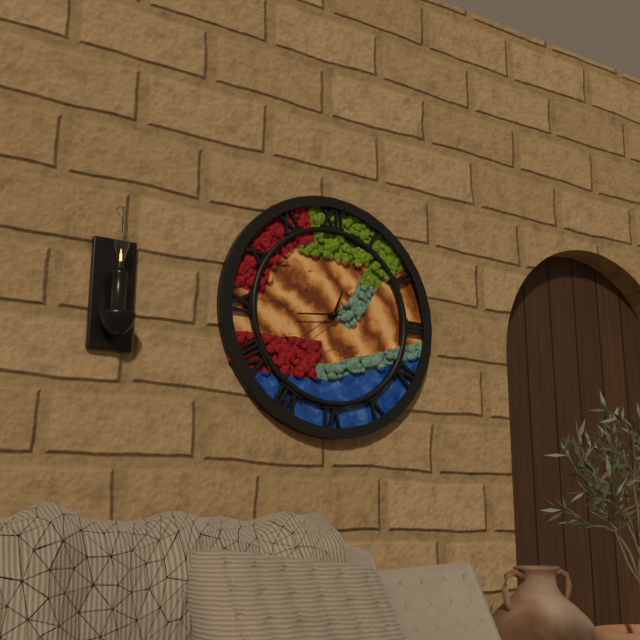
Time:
12.44
